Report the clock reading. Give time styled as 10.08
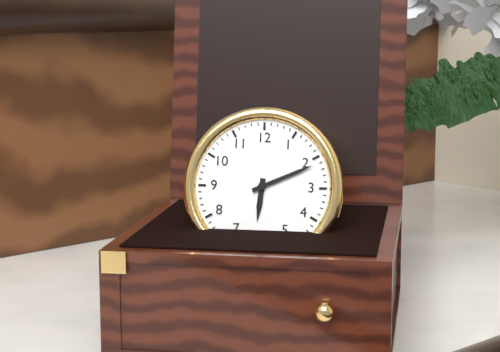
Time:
6.11
